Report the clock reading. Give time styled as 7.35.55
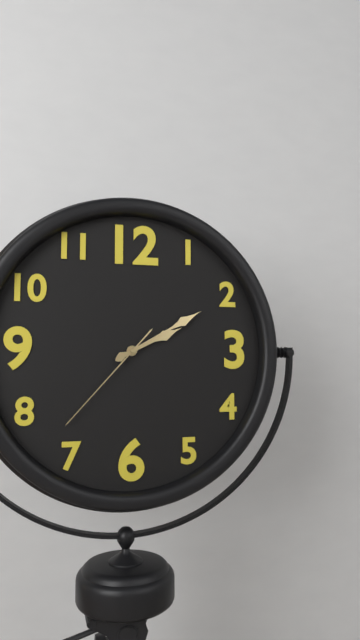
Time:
2.10.37
